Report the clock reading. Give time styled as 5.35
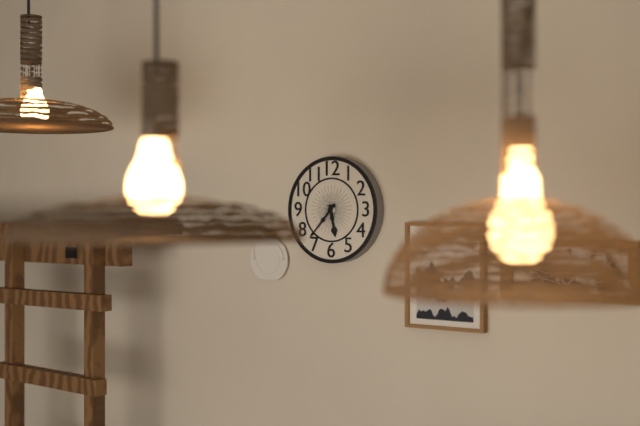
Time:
5.37
